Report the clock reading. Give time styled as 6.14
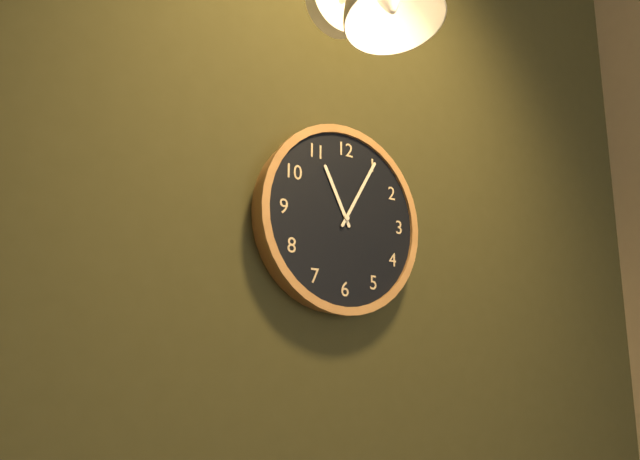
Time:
11.05
